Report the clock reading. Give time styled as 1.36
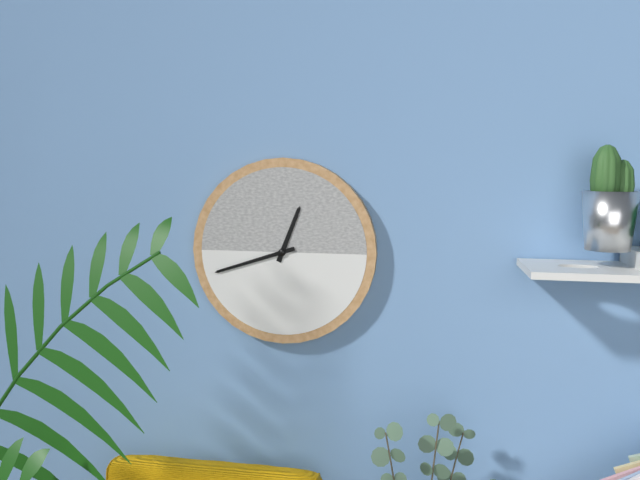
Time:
12.42
